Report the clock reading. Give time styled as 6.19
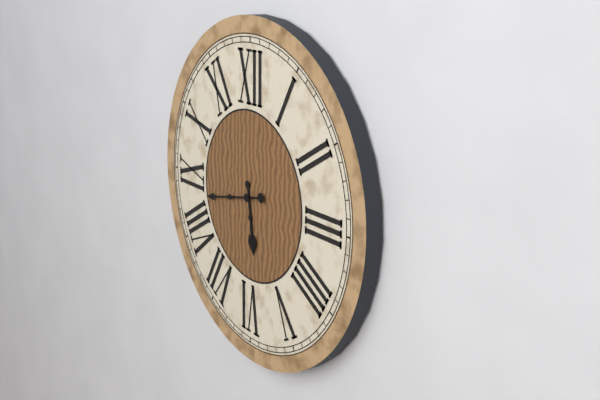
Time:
5.43
